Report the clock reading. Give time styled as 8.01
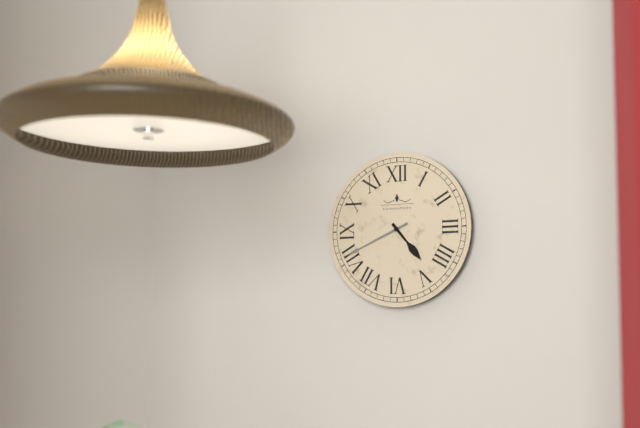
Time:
4.41
